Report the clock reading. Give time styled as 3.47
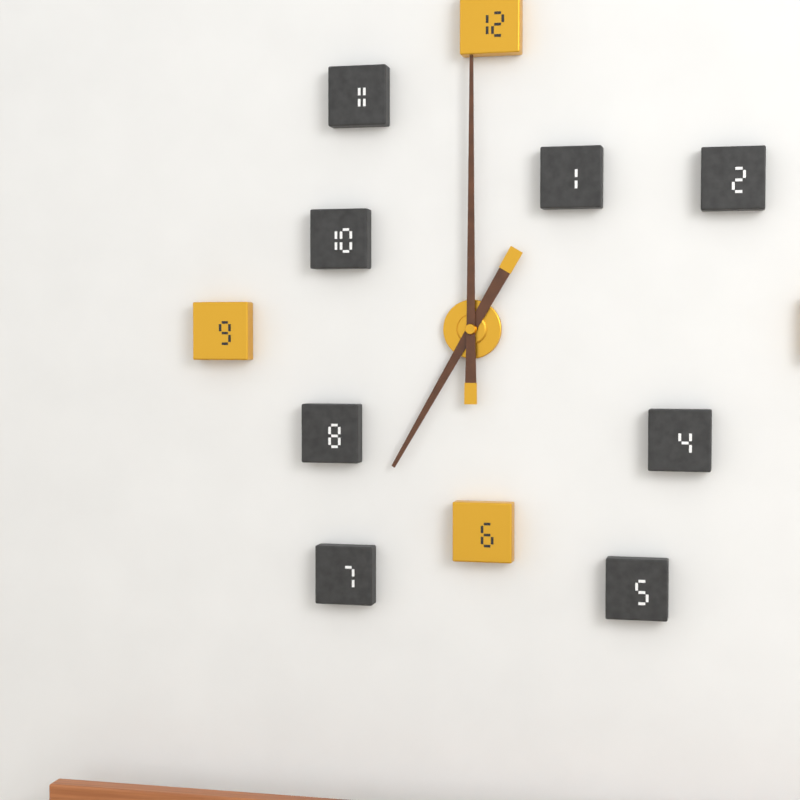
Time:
7.00
